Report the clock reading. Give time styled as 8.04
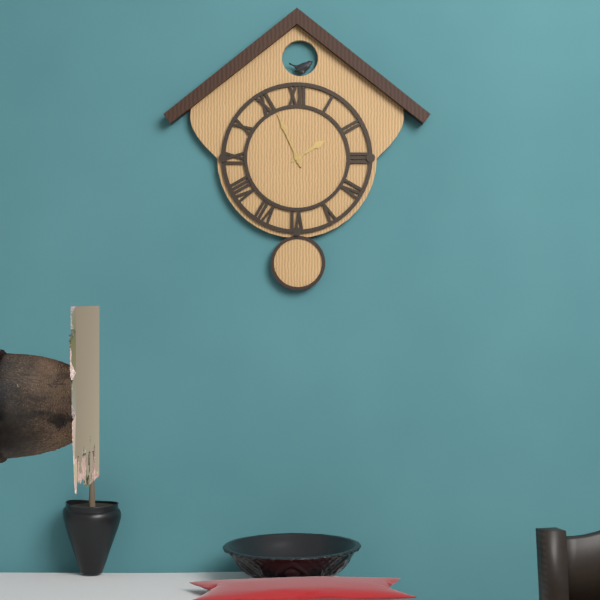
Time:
1.56
